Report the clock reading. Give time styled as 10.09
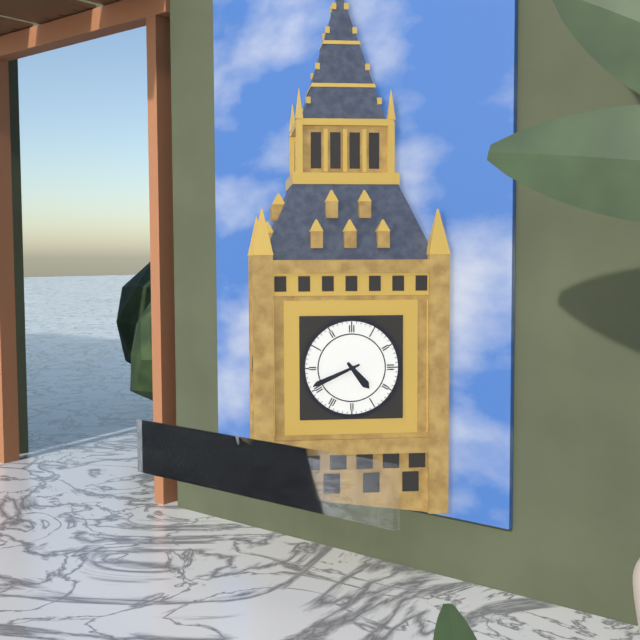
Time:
4.41
